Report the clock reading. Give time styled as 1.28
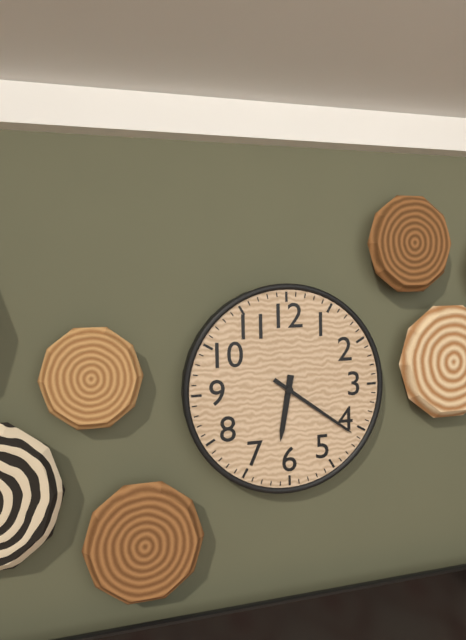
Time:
6.21
